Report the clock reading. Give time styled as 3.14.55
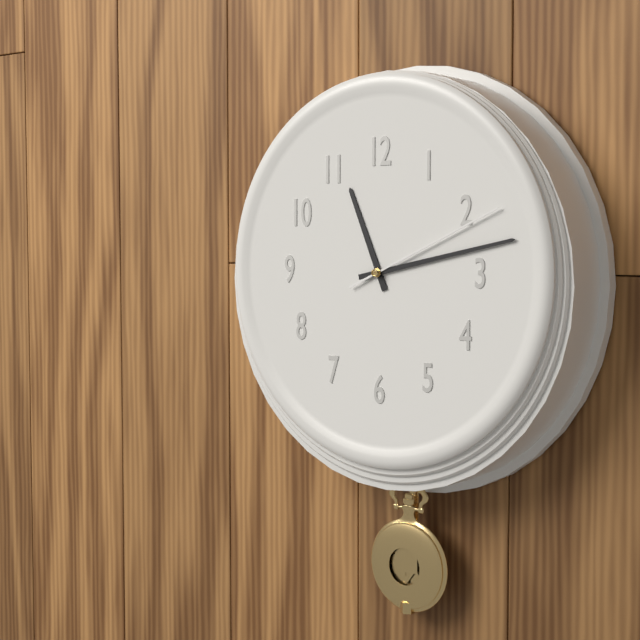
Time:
11.13.11
